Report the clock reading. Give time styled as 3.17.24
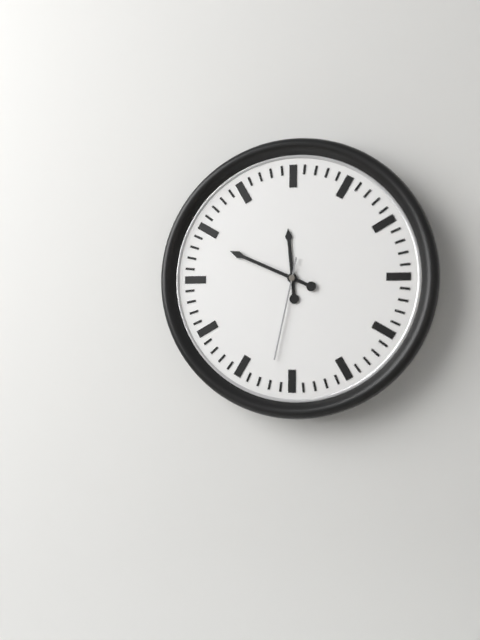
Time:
11.49.32
